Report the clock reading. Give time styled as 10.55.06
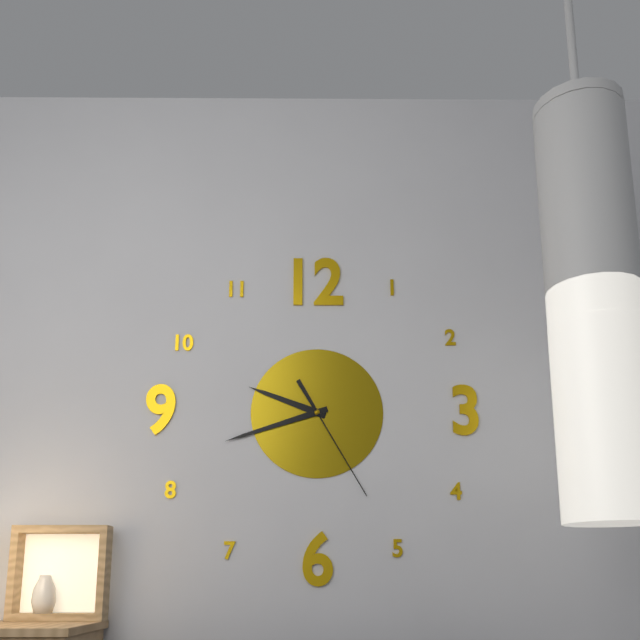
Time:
9.42.25
